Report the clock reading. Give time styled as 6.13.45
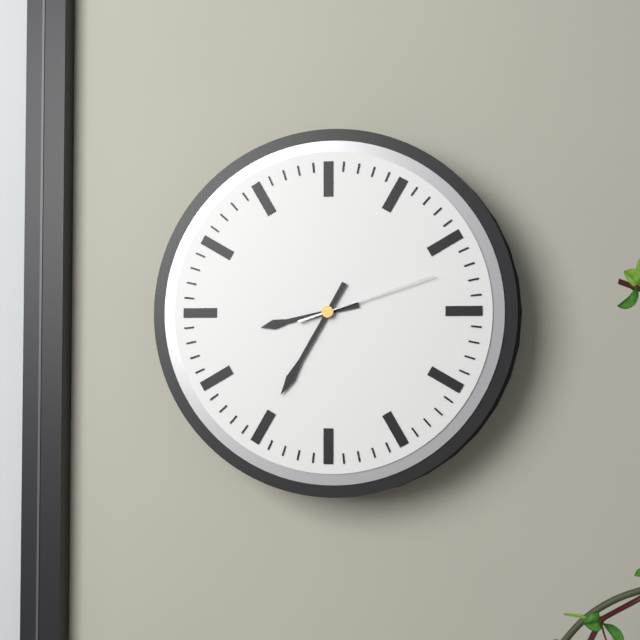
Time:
8.35.12
